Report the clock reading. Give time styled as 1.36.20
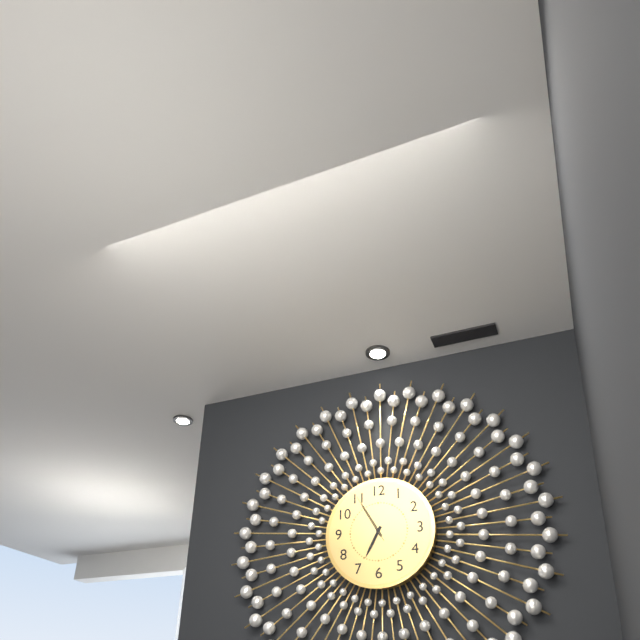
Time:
6.55.55
